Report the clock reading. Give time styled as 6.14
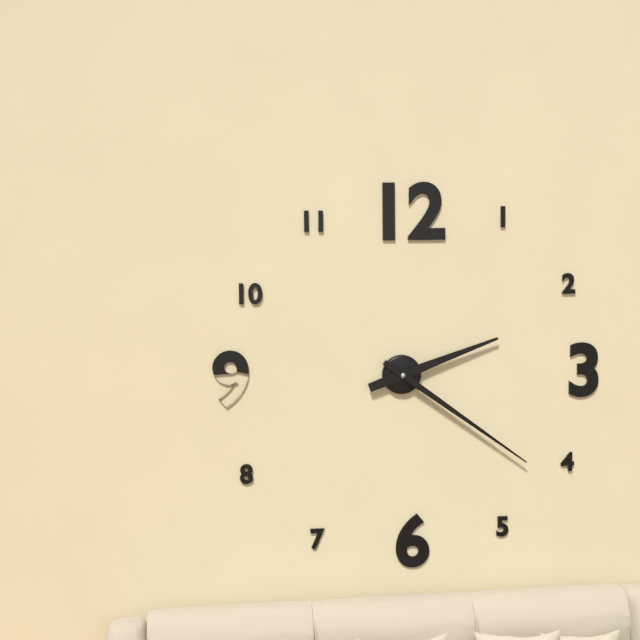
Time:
2.21
